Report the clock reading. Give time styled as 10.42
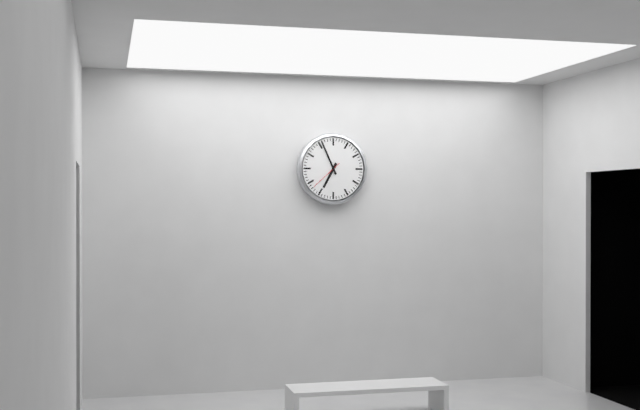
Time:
6.56
